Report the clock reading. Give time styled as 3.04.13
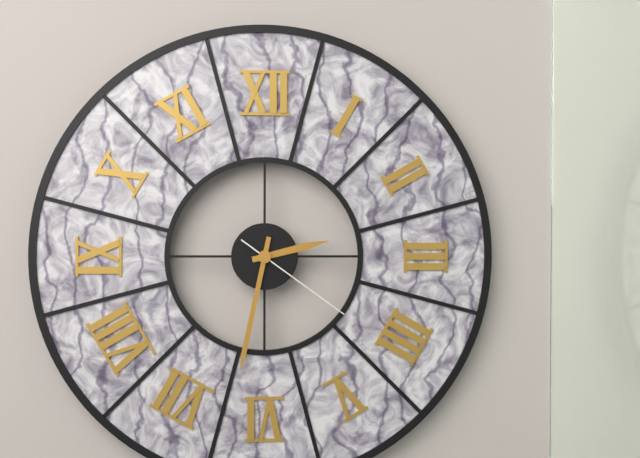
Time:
2.32.21
